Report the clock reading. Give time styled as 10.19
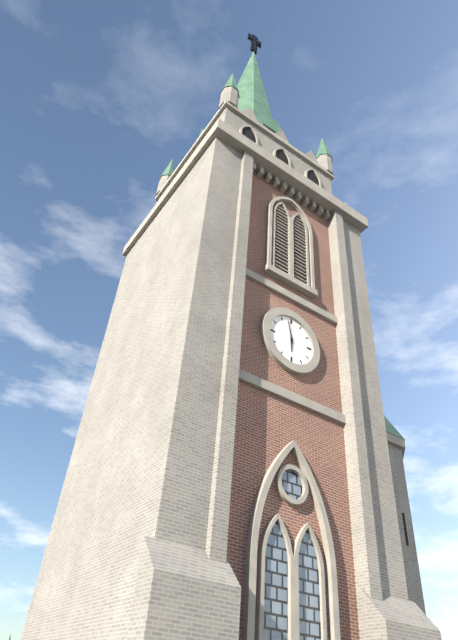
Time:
5.58
